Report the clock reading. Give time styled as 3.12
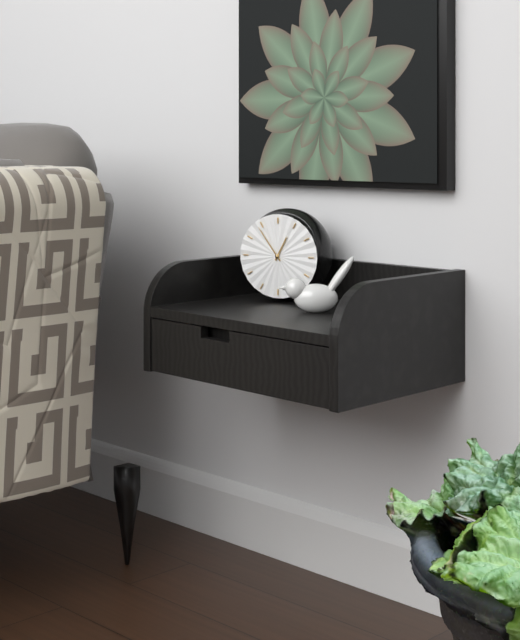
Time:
12.54
